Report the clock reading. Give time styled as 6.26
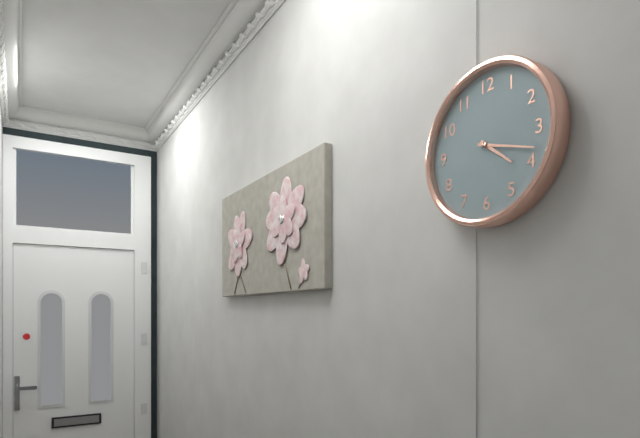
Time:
4.18
